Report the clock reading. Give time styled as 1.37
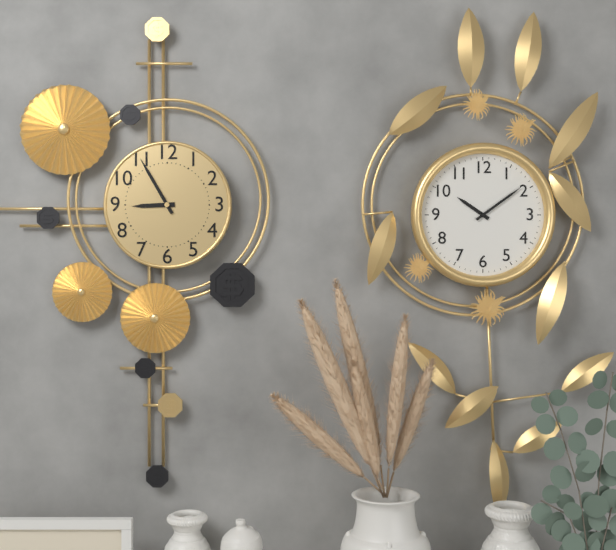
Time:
8.55
